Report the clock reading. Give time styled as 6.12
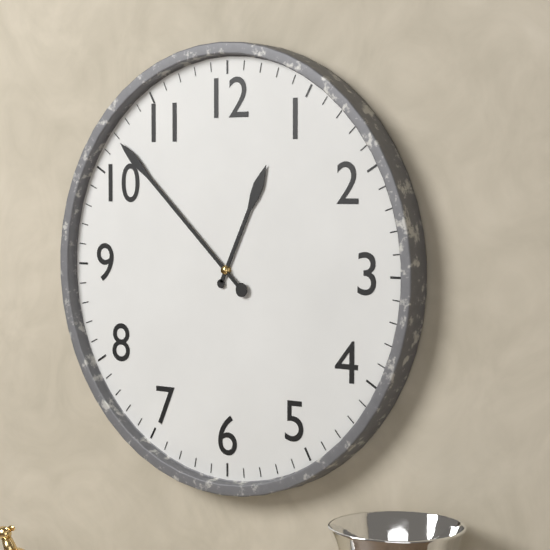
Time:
12.52
